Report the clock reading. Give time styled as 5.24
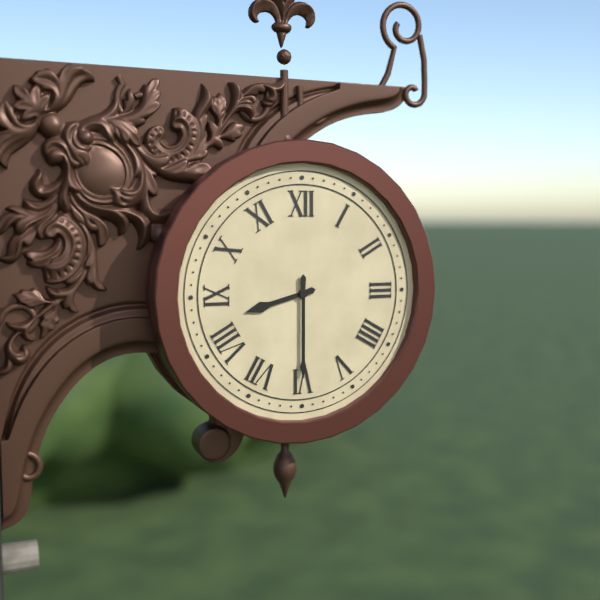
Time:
8.30
